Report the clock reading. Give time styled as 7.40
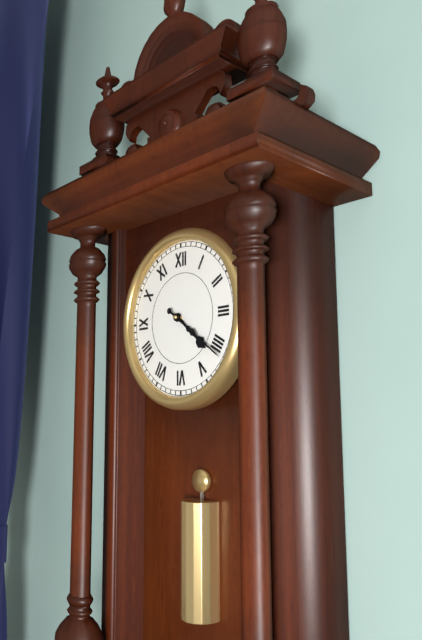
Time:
4.21
